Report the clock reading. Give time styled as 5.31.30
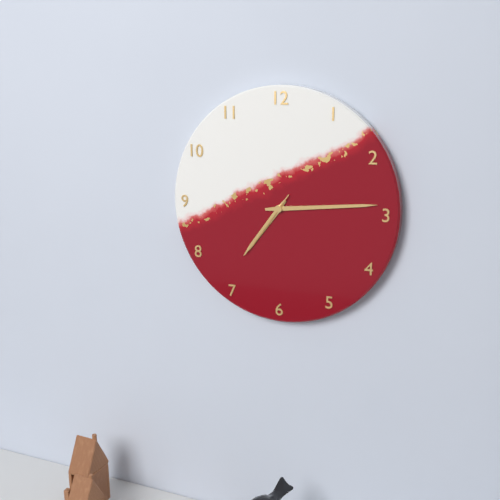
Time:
7.14.36
